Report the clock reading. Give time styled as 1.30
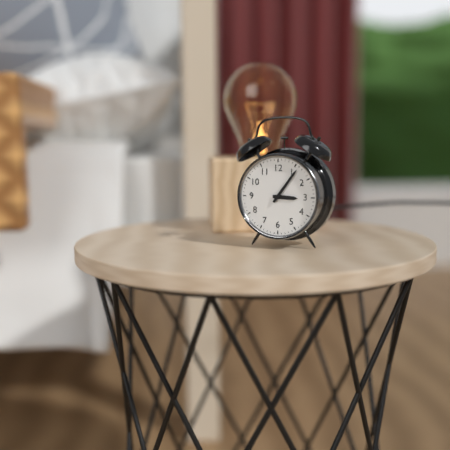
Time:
3.06
